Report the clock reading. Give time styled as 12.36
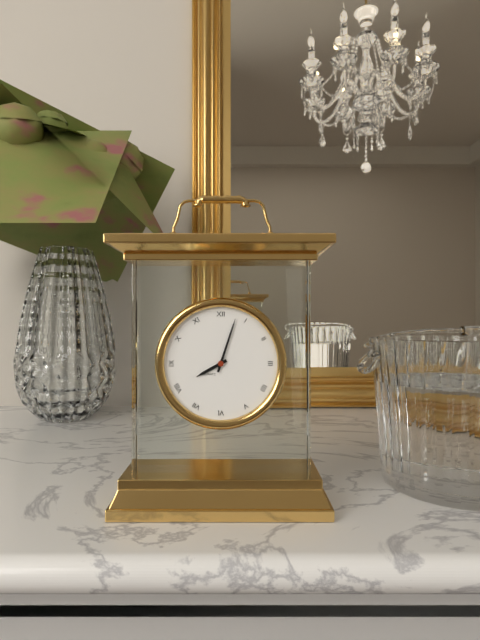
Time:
8.03
